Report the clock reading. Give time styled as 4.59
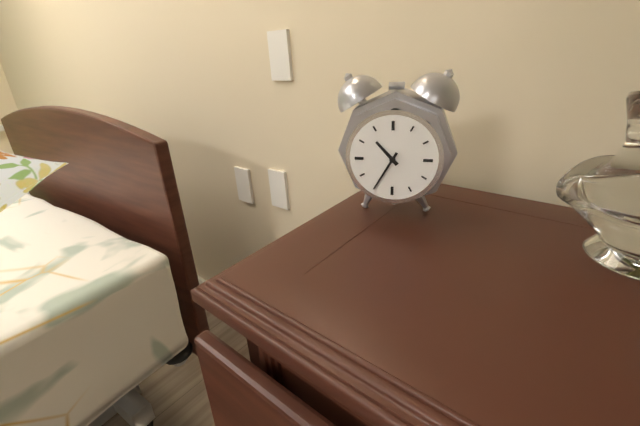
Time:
10.35
